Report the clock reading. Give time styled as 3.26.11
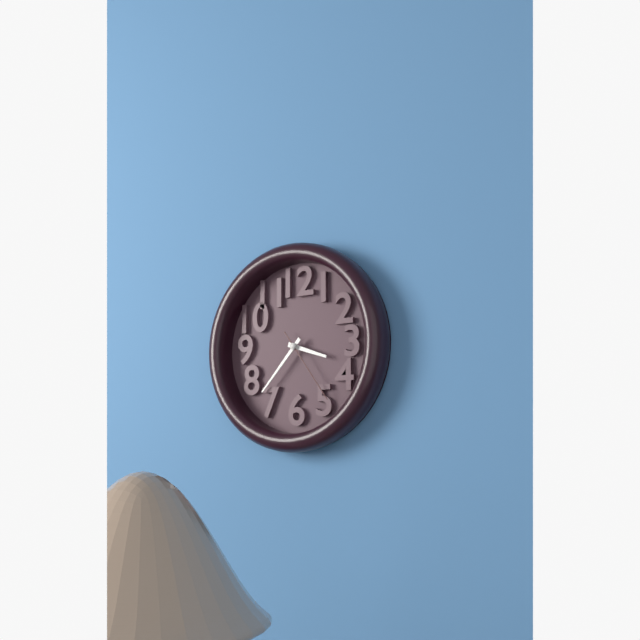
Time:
3.37.24
